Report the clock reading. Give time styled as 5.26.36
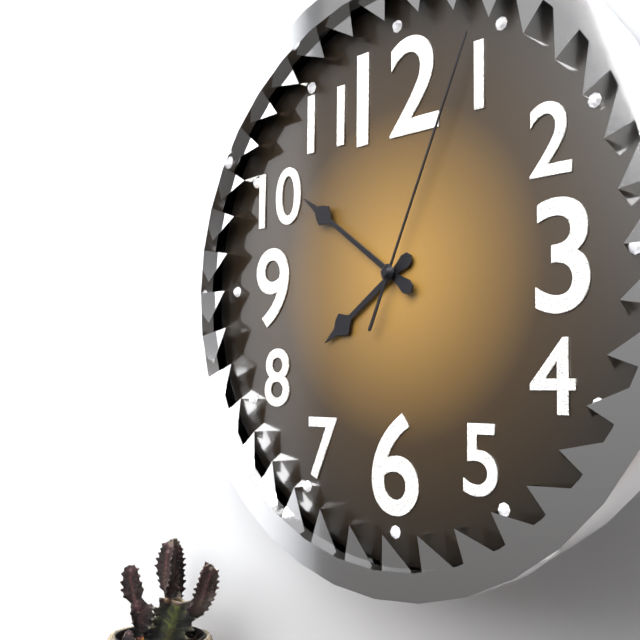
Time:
7.51.04
